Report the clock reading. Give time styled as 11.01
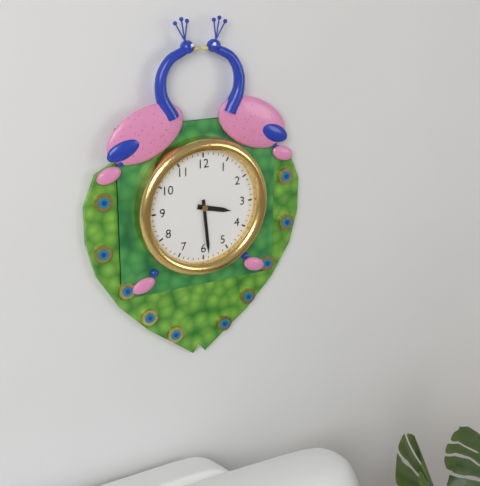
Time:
3.29
